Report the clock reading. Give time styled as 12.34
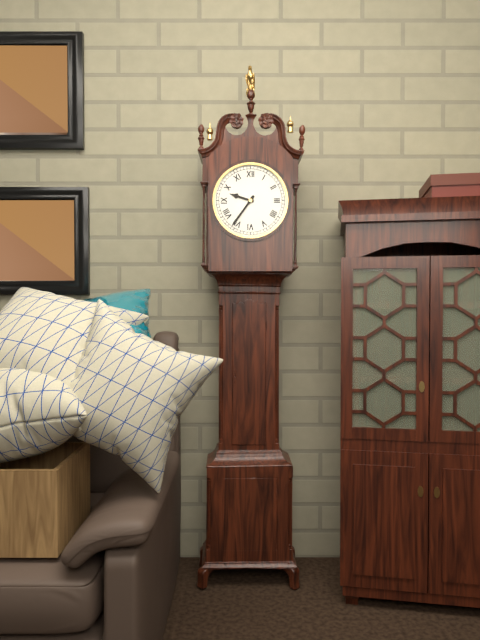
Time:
9.36
